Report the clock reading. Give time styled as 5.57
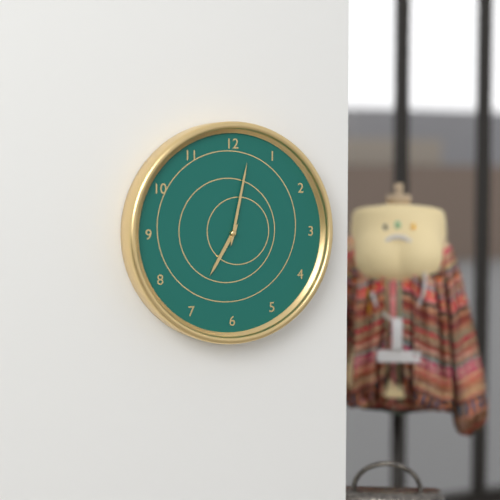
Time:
7.02
